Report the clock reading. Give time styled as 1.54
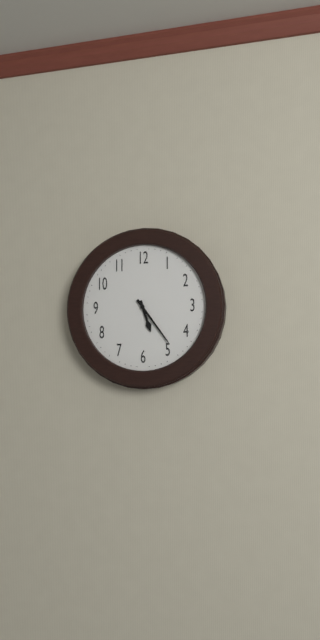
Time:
5.24
